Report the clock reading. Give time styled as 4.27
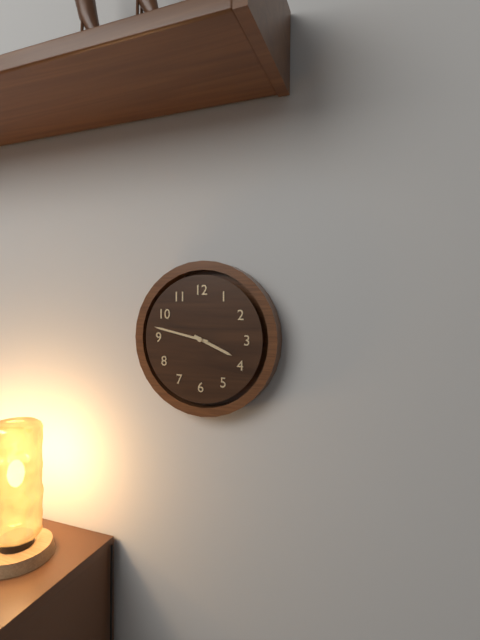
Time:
3.47
